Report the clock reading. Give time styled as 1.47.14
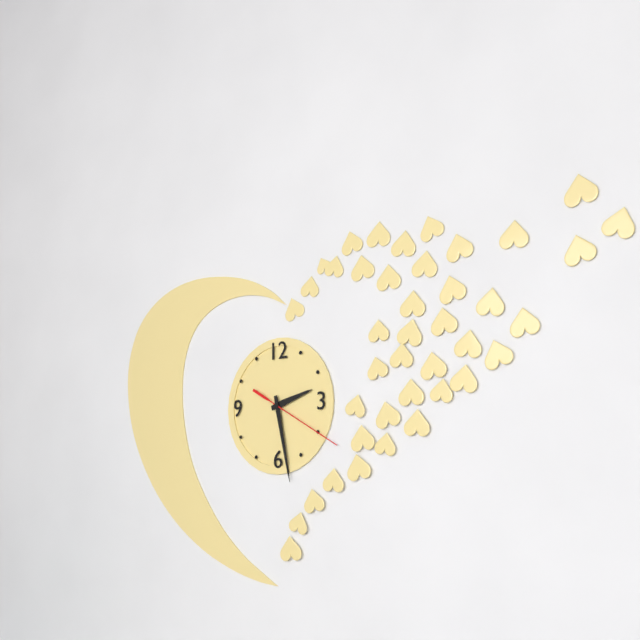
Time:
2.28.20
